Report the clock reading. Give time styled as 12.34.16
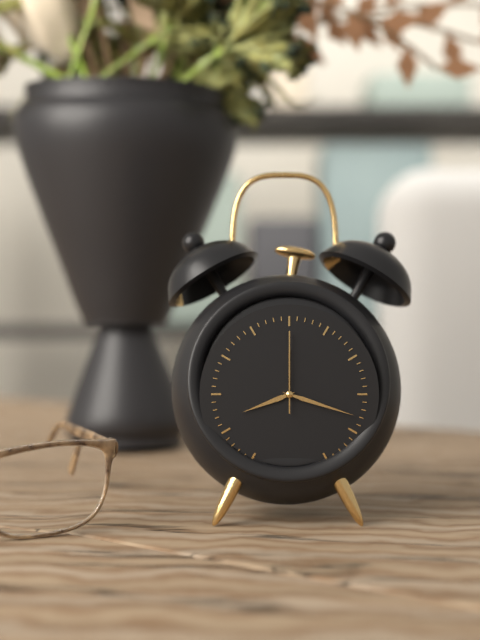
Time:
8.18.00
